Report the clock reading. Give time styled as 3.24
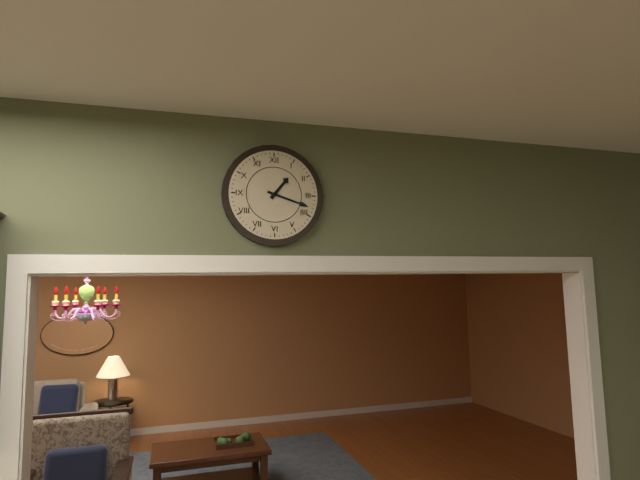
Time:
1.18
